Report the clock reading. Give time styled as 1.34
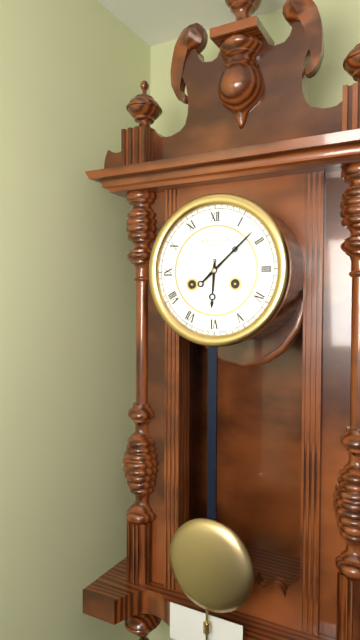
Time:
6.08
